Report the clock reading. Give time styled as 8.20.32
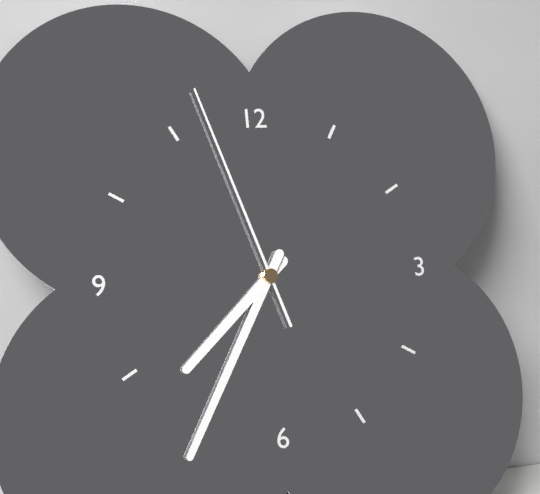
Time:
7.35.57
